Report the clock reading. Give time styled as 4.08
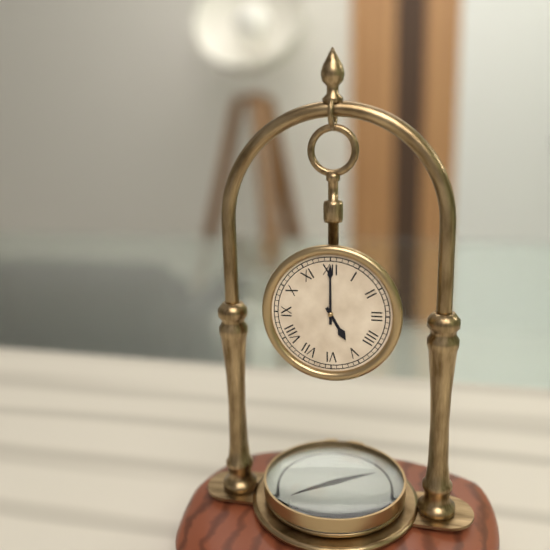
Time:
5.00
